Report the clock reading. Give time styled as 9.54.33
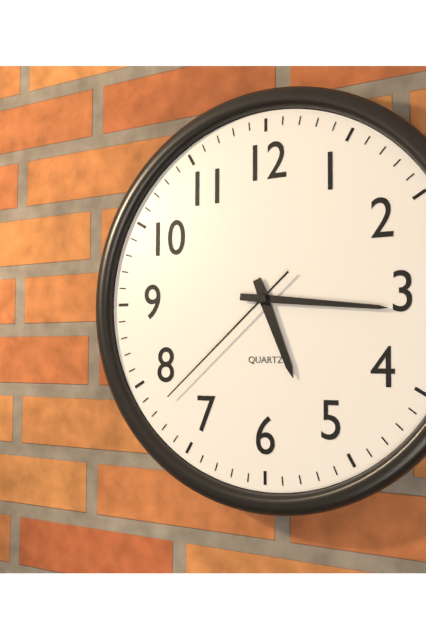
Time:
5.16.38
